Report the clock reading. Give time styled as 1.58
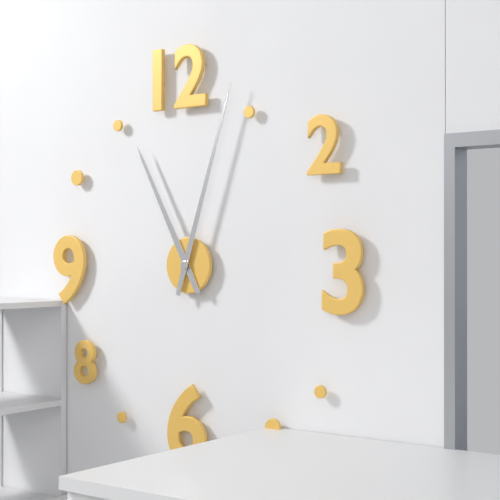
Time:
11.03
